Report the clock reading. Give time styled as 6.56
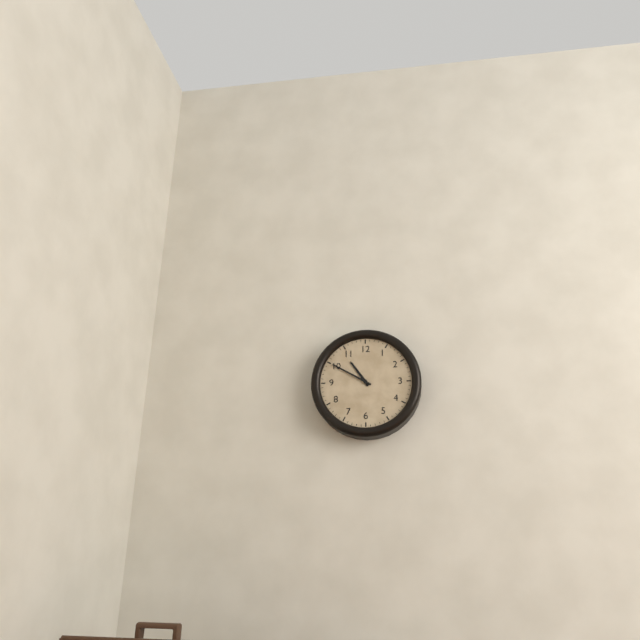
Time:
10.50
